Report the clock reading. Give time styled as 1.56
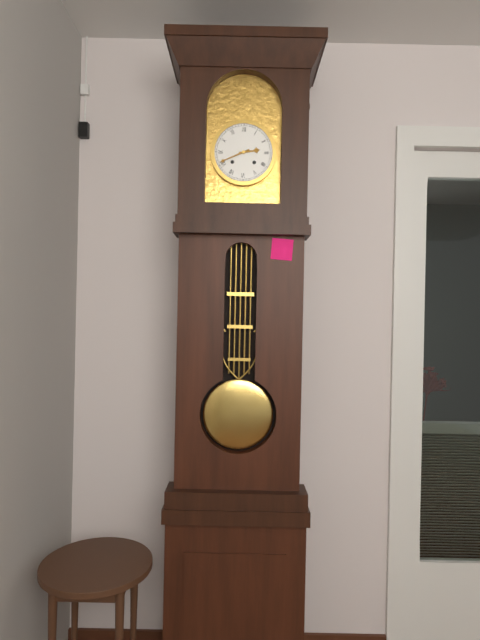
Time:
2.41
